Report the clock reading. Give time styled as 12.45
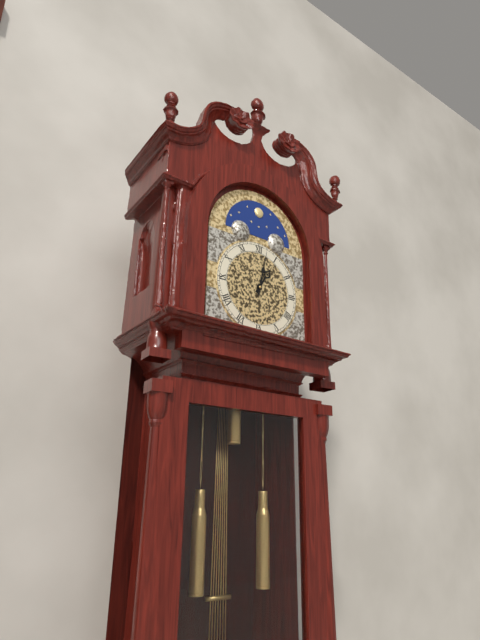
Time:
1.02
